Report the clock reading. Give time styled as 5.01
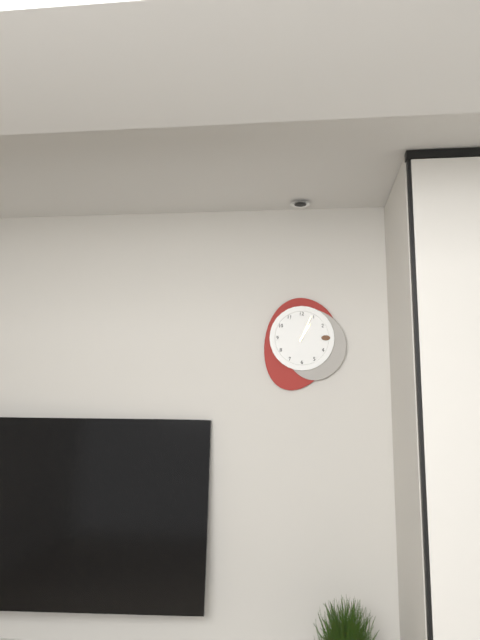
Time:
1.04
